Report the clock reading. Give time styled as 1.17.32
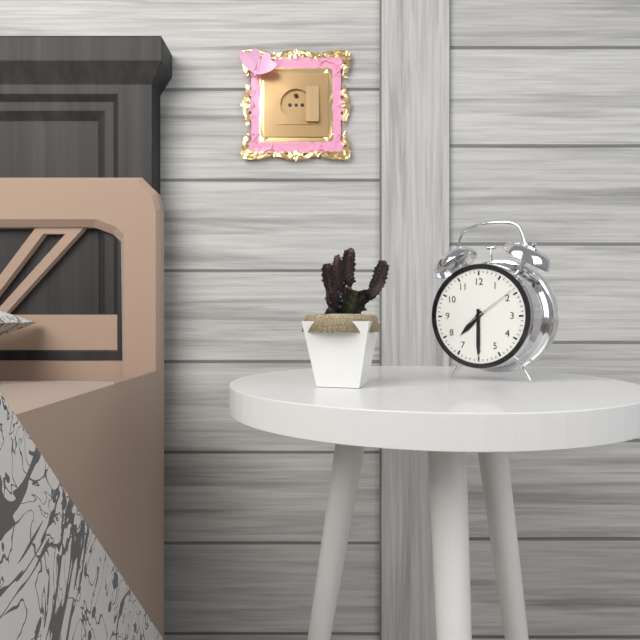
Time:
7.30.09
